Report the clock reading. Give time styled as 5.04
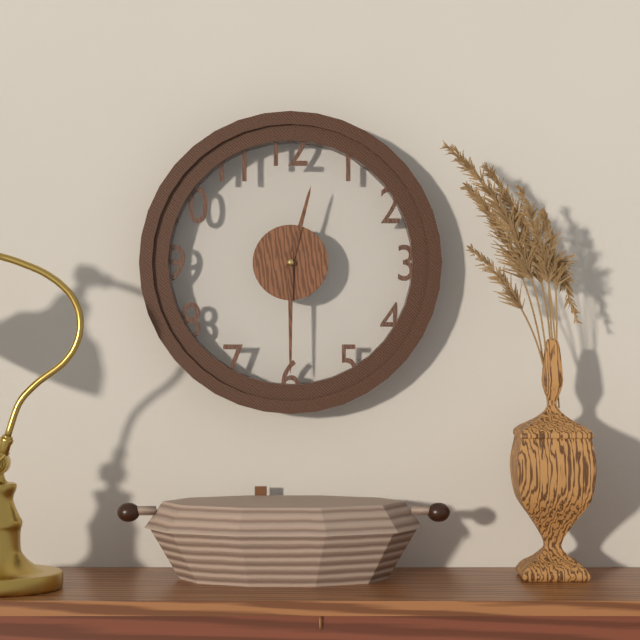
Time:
12.30
